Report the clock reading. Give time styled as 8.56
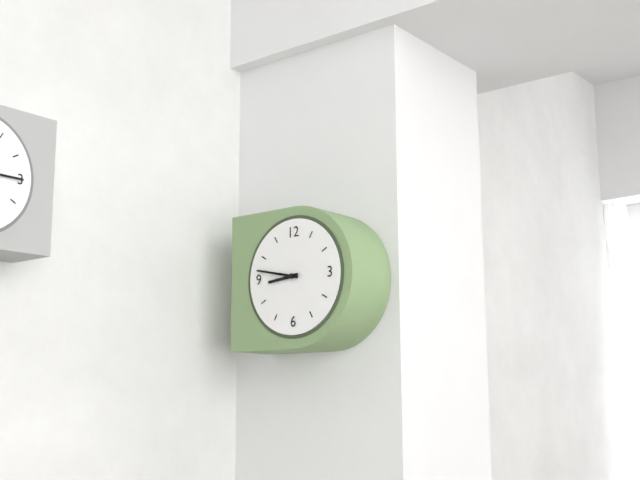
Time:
8.47
